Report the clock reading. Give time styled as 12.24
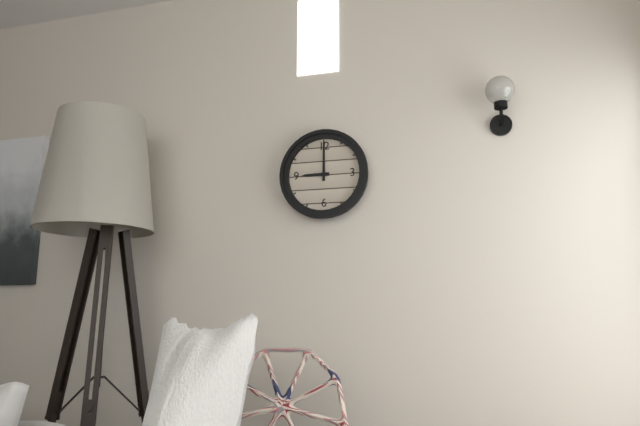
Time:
9.00
